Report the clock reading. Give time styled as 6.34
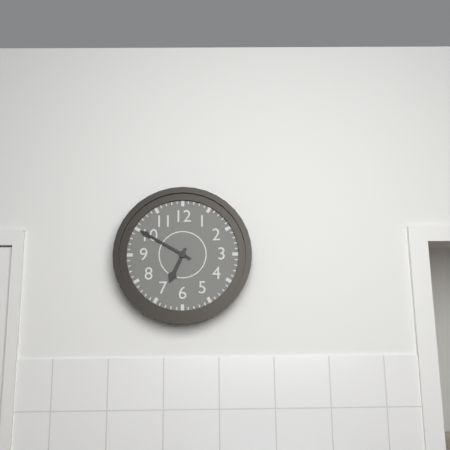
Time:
6.50
